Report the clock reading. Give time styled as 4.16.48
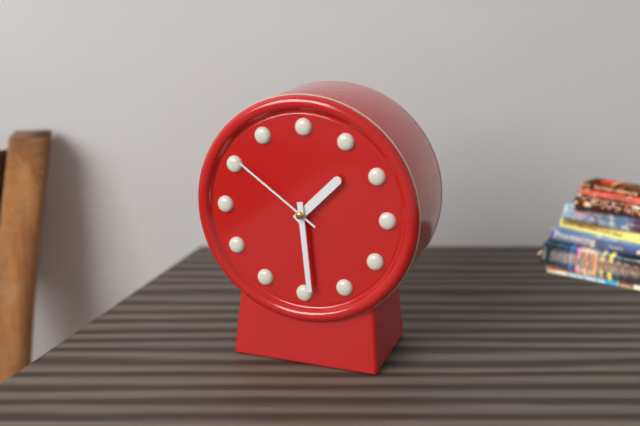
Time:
1.29.51
